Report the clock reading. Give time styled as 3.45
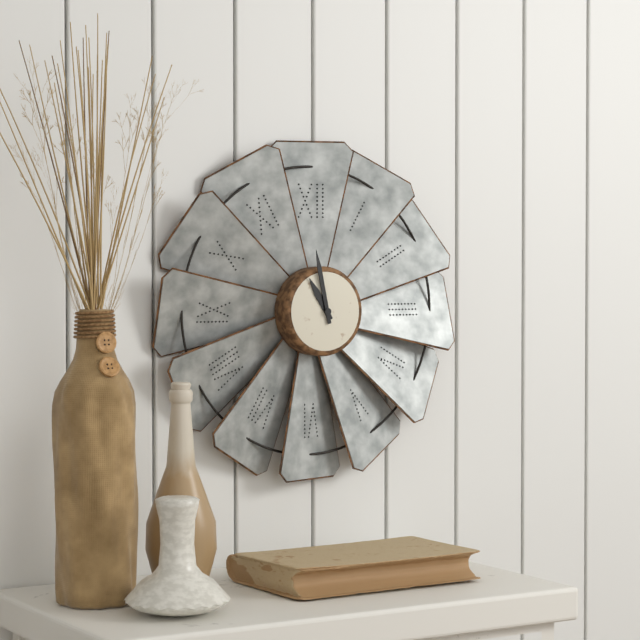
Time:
10.58
